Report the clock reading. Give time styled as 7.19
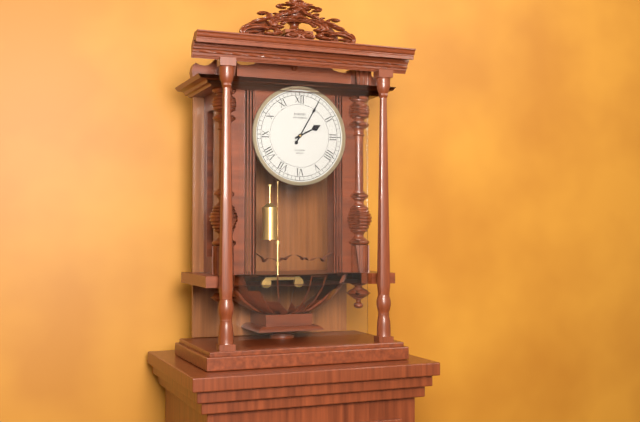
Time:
2.05
